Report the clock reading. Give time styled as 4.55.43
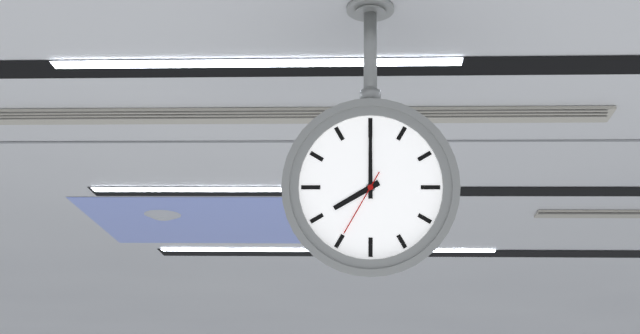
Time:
8.00.35
